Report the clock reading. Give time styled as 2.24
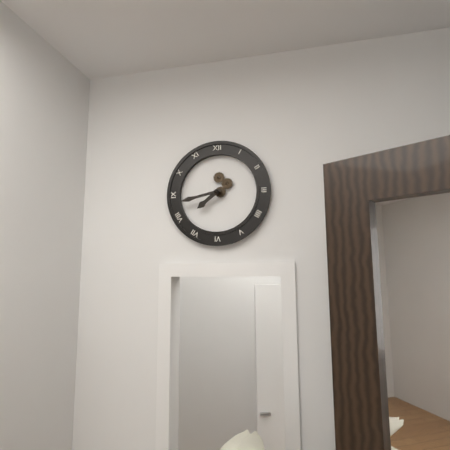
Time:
7.43
